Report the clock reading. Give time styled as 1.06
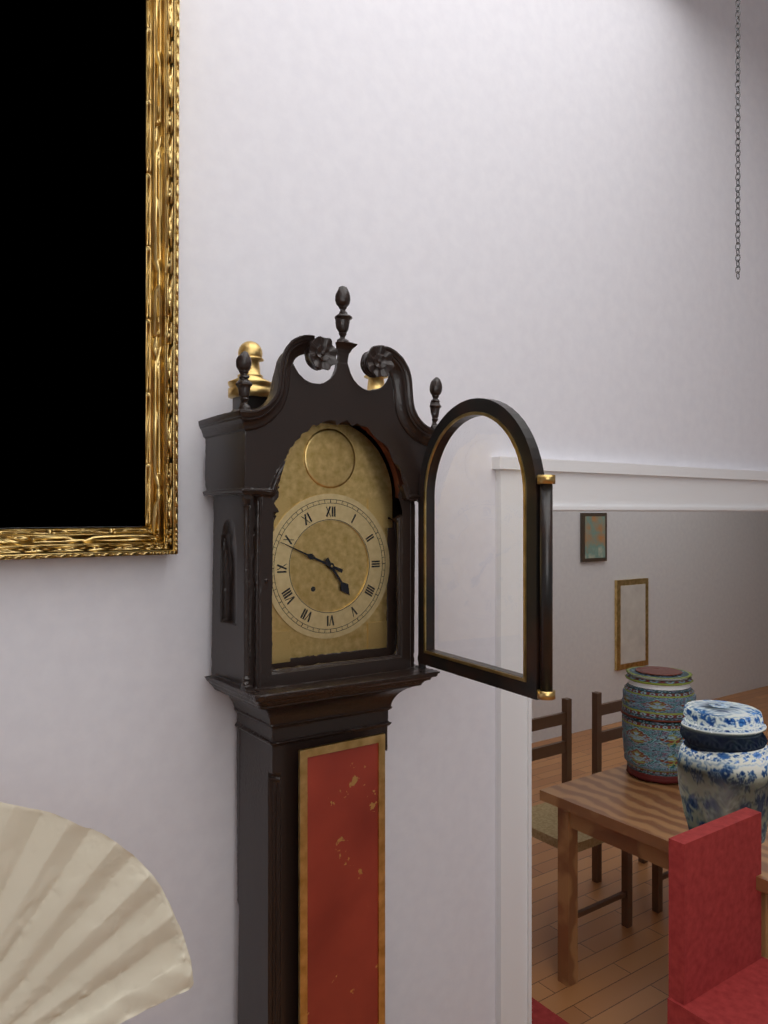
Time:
4.49
